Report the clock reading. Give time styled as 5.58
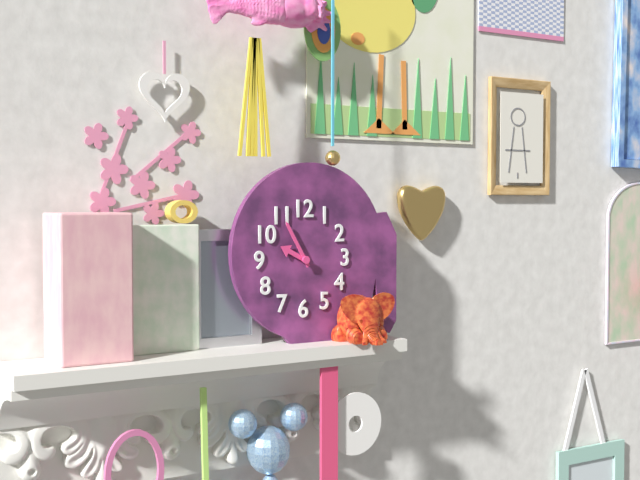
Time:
9.55
